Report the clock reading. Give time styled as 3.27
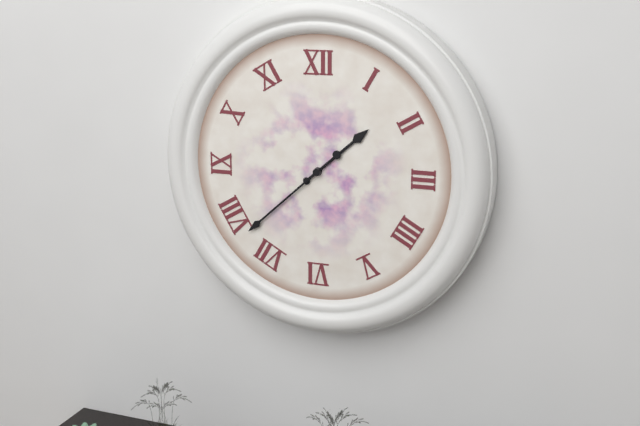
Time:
1.38
